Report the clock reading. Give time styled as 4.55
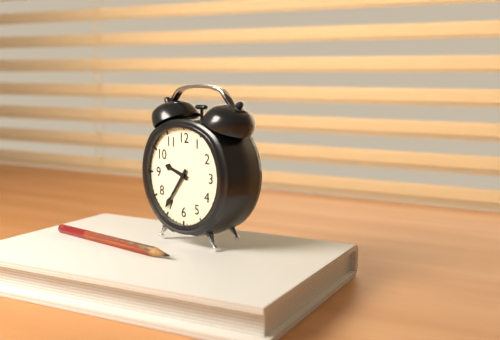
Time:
9.36
